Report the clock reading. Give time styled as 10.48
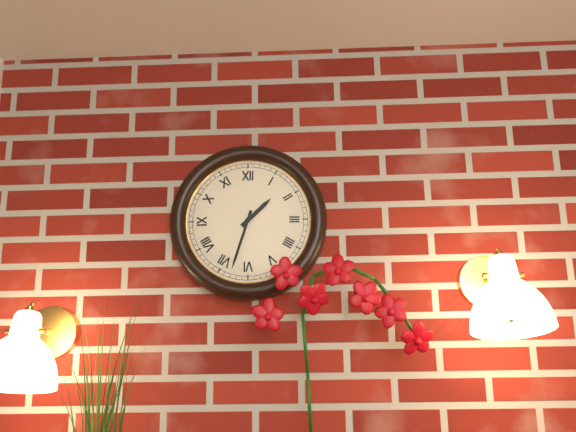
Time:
1.33
